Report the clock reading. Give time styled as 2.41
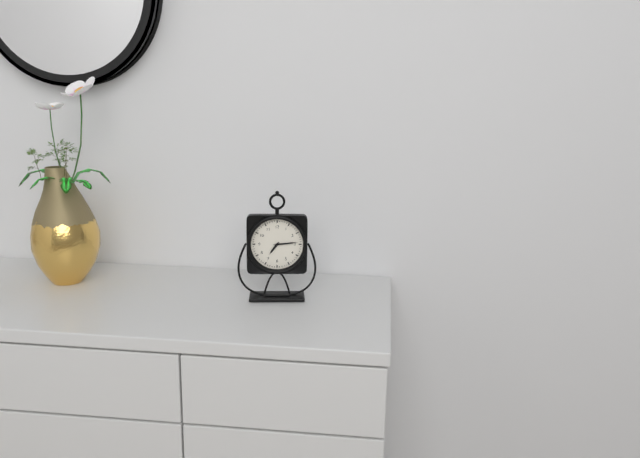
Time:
7.14
